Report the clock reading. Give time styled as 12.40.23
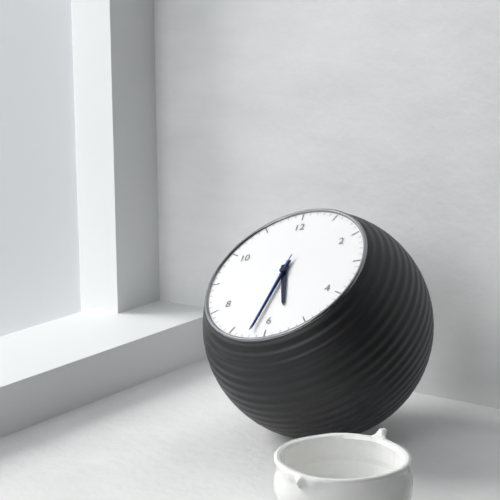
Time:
5.32.32
